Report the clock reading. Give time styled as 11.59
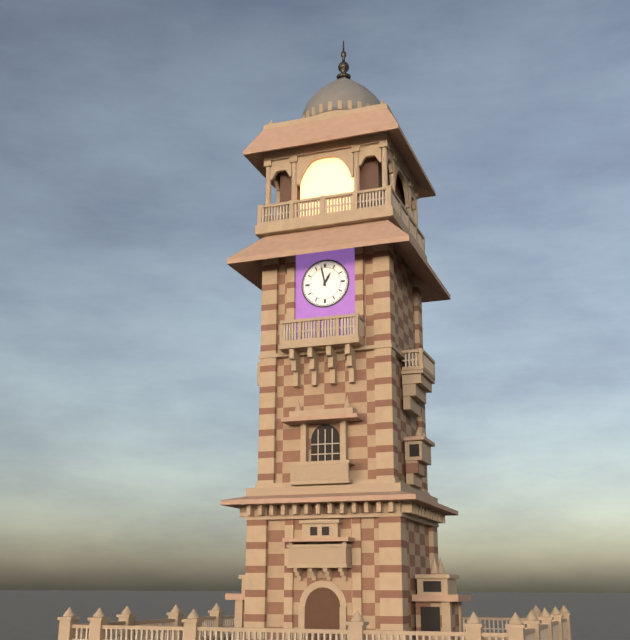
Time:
12.58
